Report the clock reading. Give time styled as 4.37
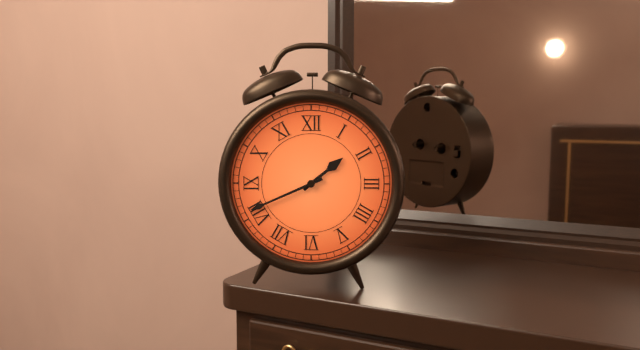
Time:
1.41
